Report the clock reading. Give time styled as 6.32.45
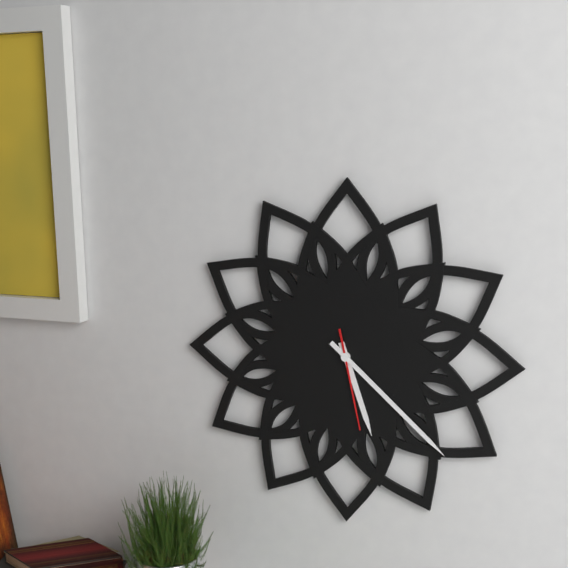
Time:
5.22.28
